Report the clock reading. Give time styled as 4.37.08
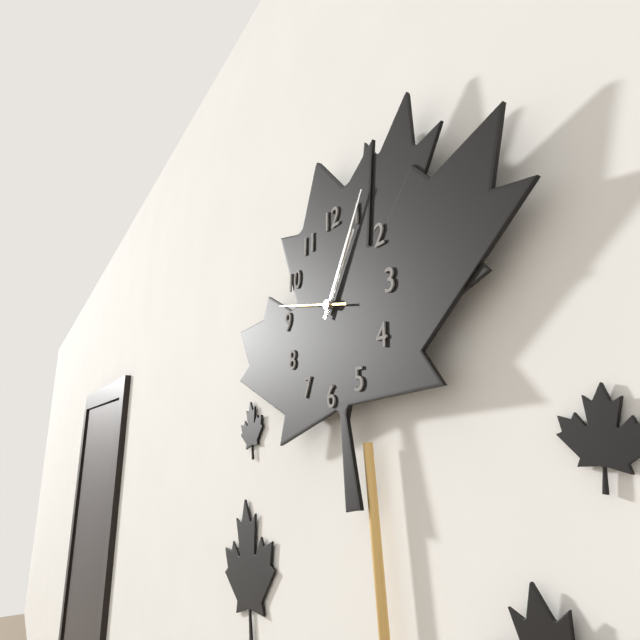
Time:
1.05.47
